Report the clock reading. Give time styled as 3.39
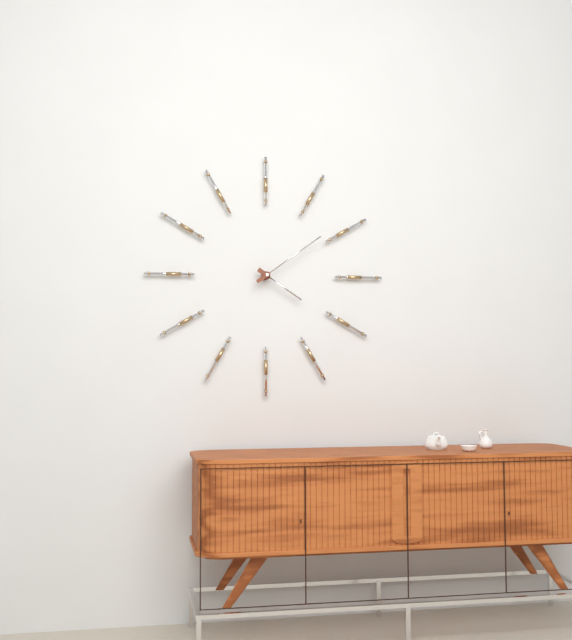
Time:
4.09
